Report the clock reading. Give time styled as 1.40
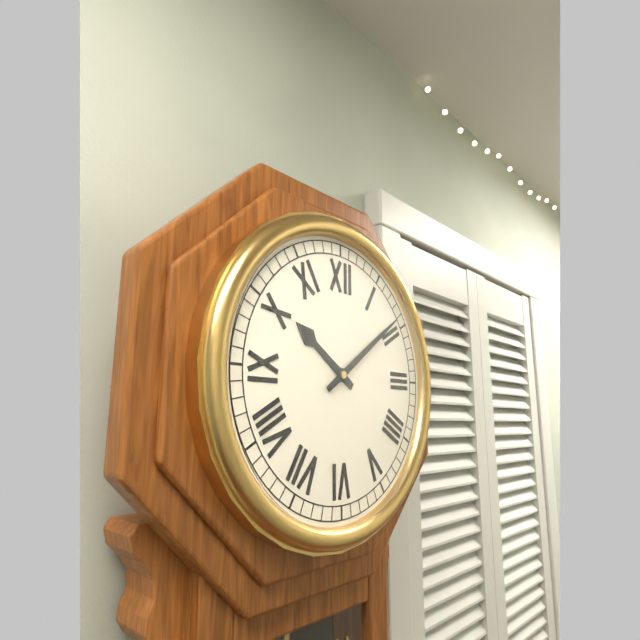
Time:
10.09
